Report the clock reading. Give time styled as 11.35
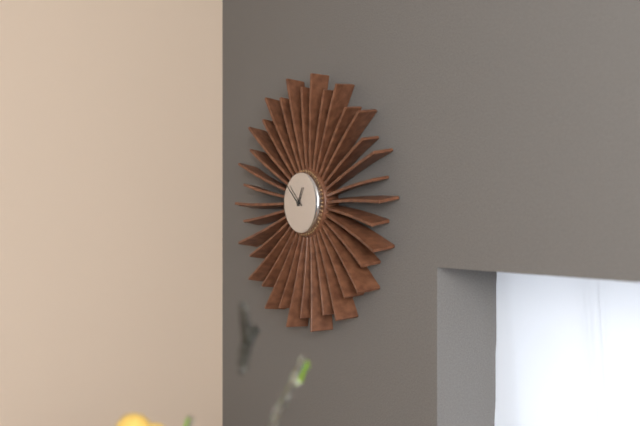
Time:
12.52
